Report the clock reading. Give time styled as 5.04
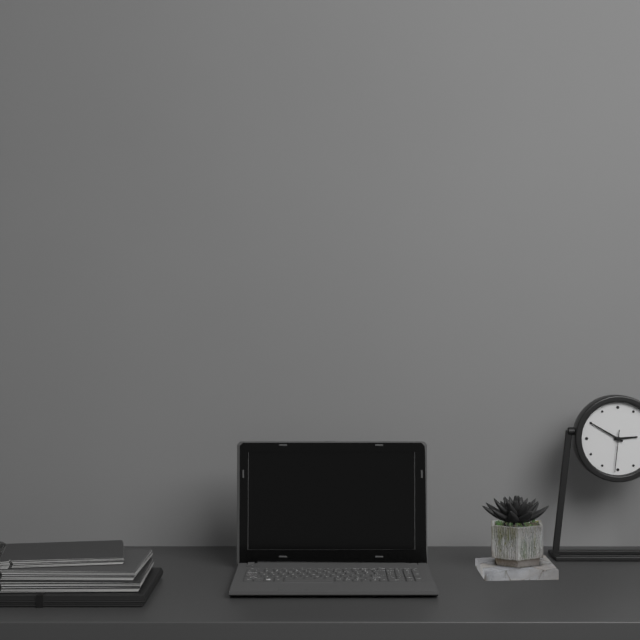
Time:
2.50
